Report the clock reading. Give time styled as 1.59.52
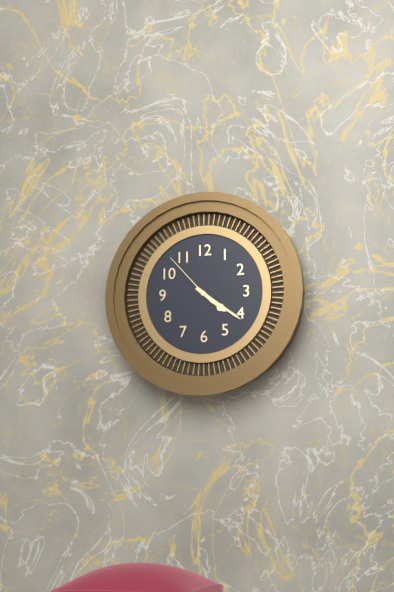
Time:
4.21.53
